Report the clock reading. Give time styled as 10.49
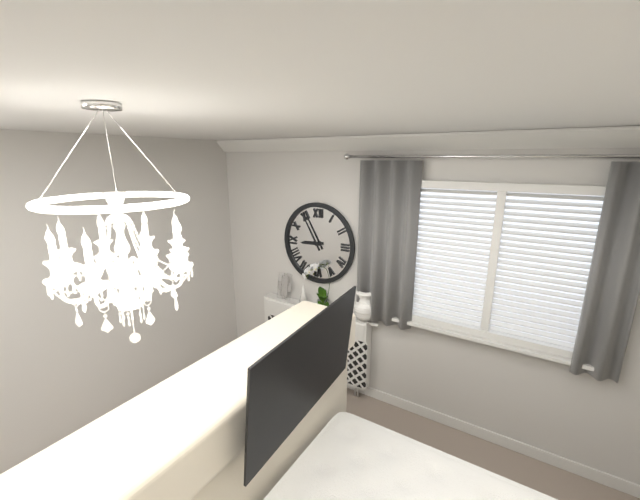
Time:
8.55
